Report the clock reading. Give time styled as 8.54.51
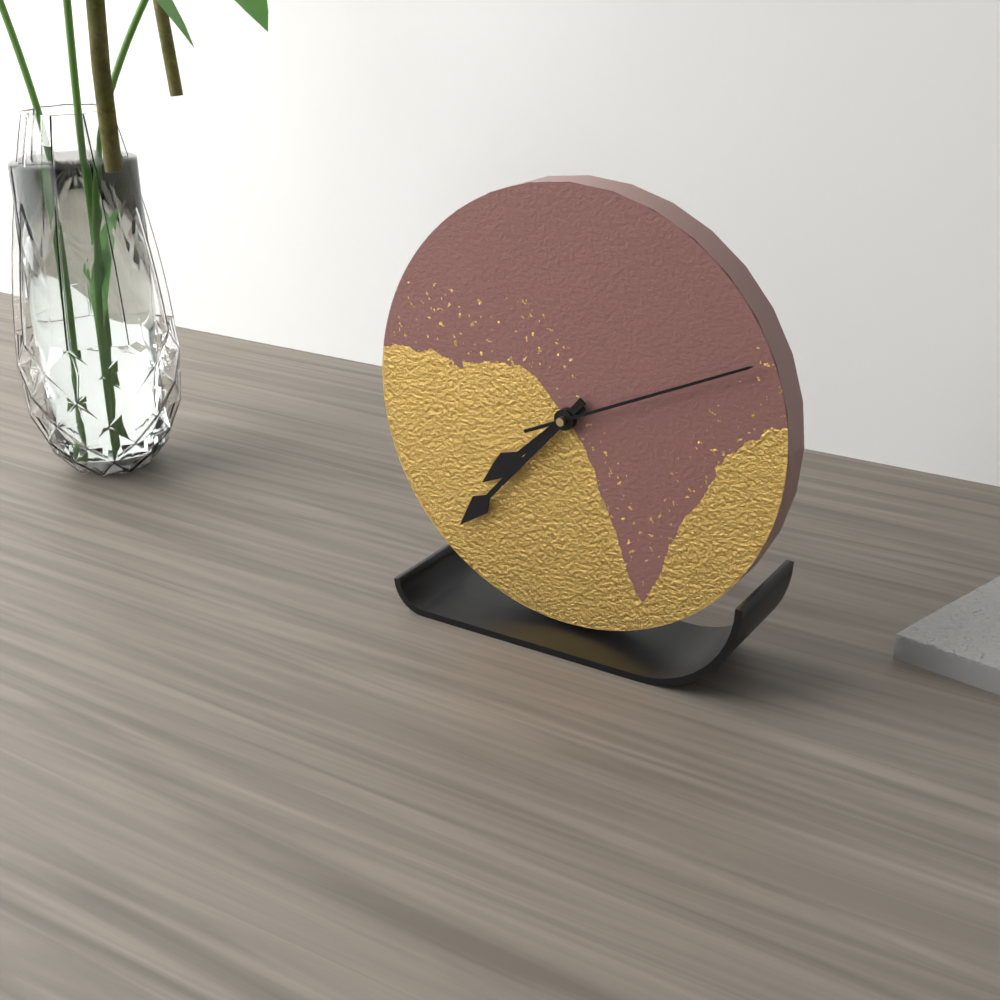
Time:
7.37.11
